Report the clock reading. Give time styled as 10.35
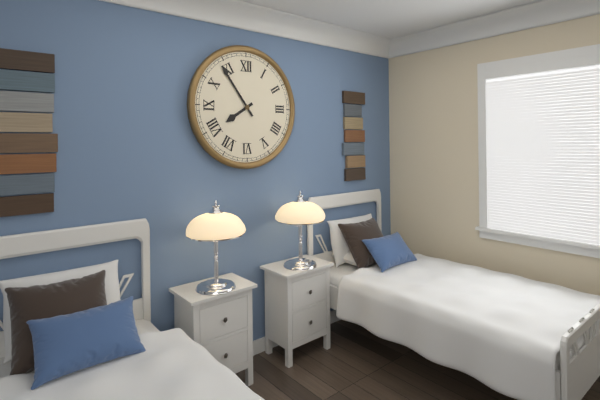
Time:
7.54
